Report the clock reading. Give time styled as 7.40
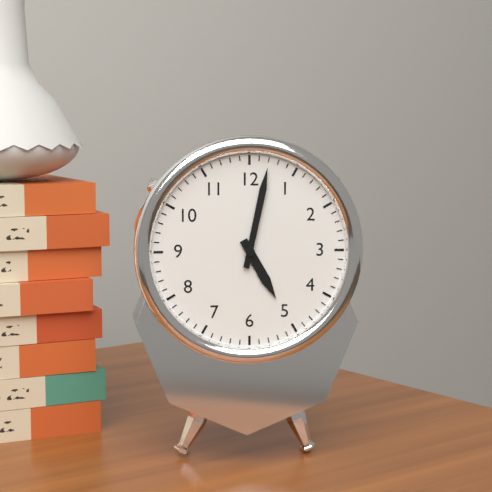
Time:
5.02
